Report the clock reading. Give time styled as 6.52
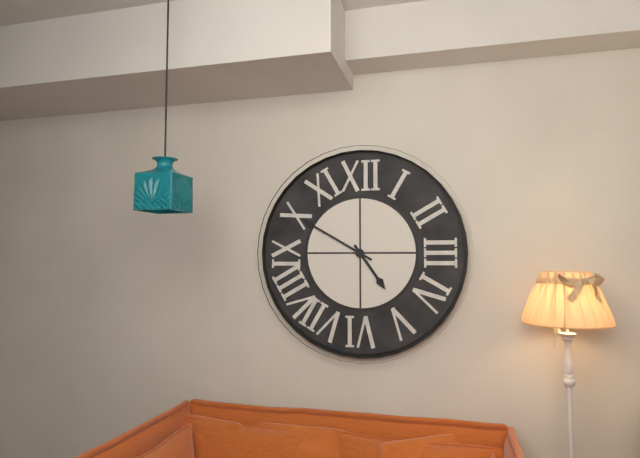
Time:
4.50
